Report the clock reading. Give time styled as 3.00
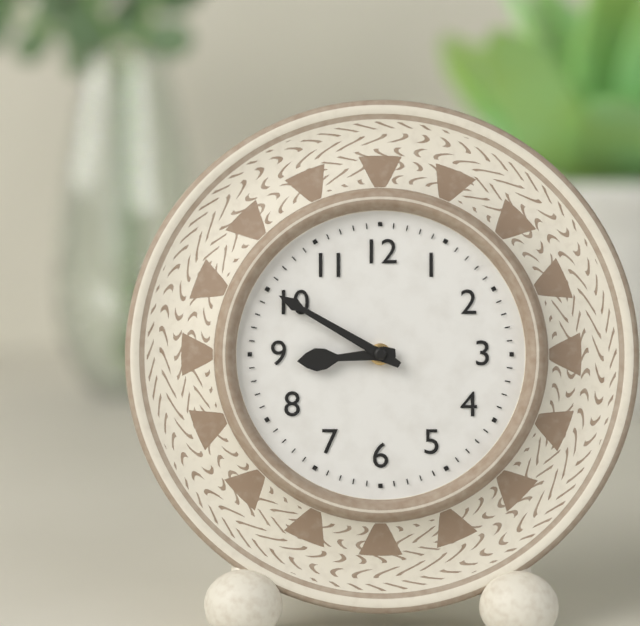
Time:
8.50
